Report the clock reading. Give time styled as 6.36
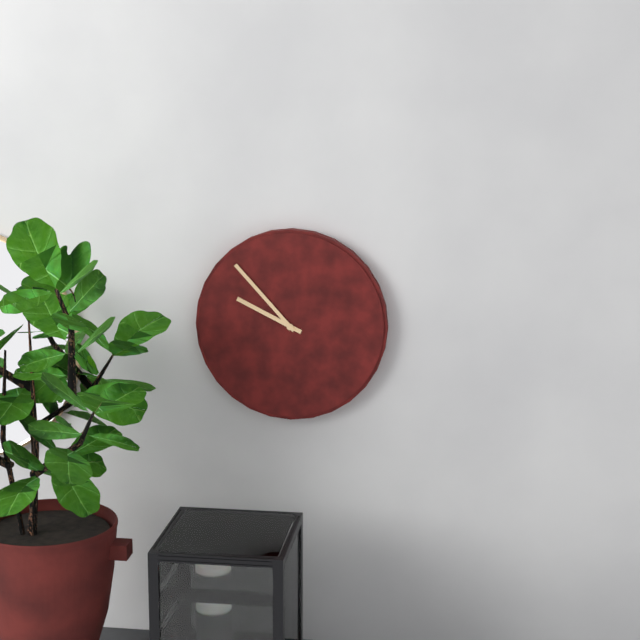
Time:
9.53
